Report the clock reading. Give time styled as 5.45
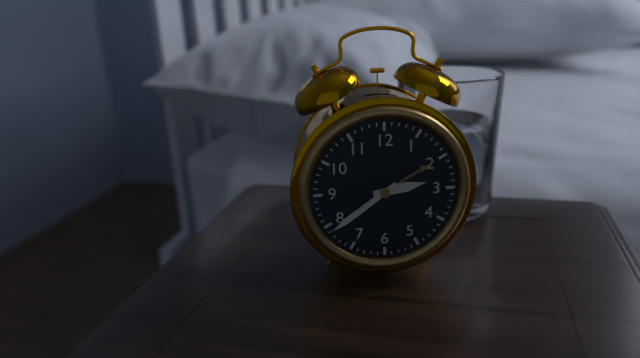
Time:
2.39
